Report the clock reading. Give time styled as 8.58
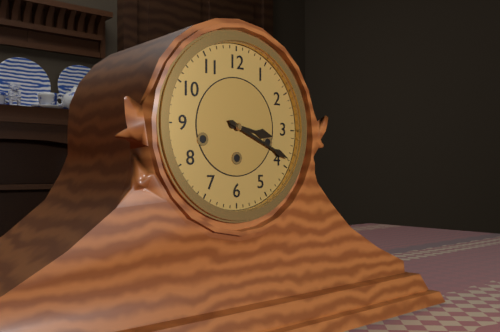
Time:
3.19
